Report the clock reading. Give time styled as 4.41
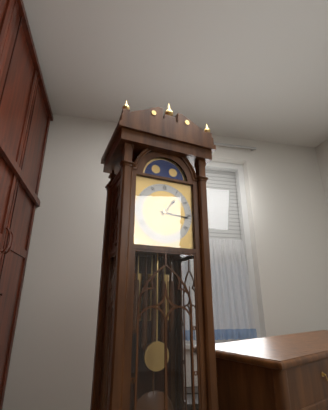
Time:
1.16
